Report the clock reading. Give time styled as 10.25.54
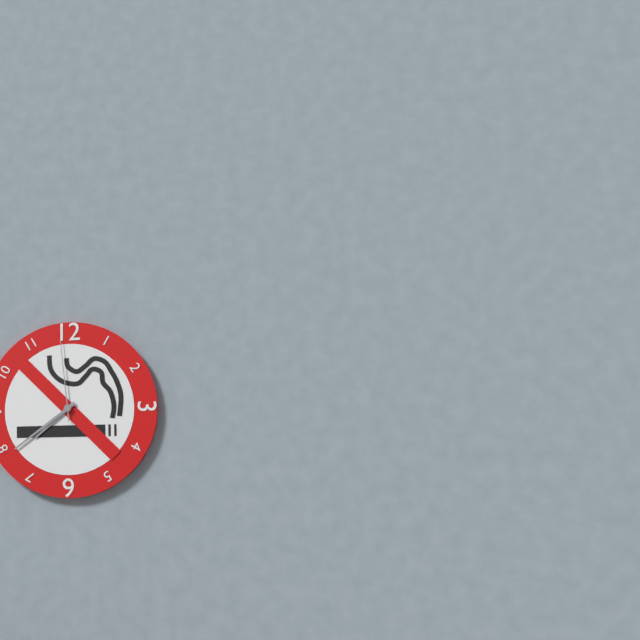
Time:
7.39.59
